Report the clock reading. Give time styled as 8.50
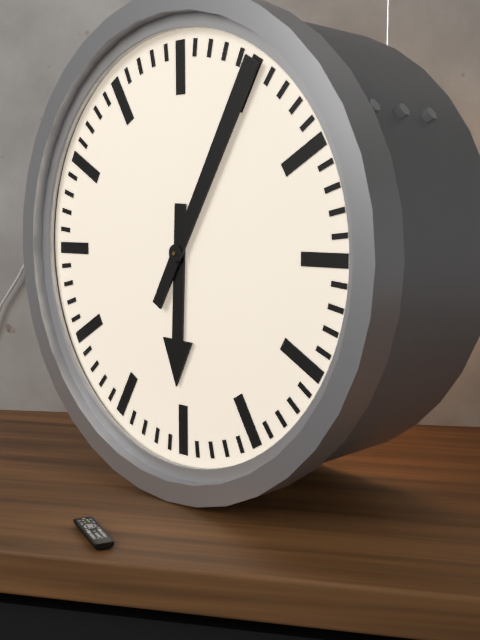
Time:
6.05
